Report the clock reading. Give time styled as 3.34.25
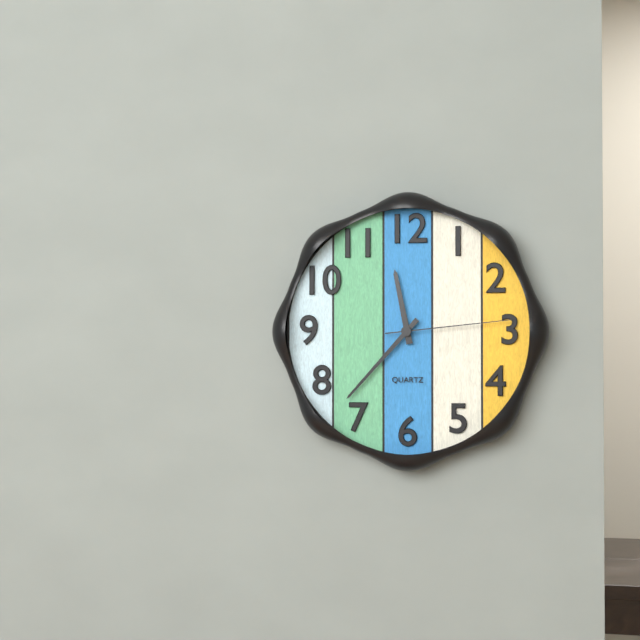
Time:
11.37.14
